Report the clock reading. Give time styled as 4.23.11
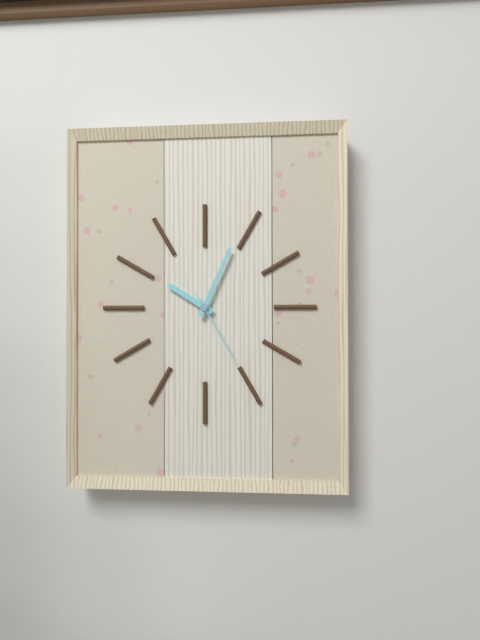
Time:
10.04.25
